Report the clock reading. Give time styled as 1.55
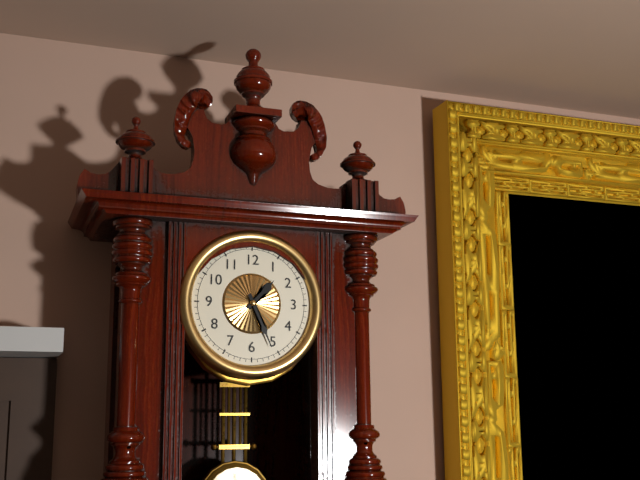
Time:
1.26
